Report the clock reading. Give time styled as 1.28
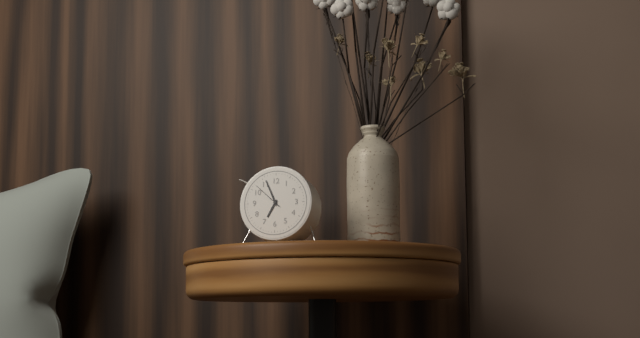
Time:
6.56
